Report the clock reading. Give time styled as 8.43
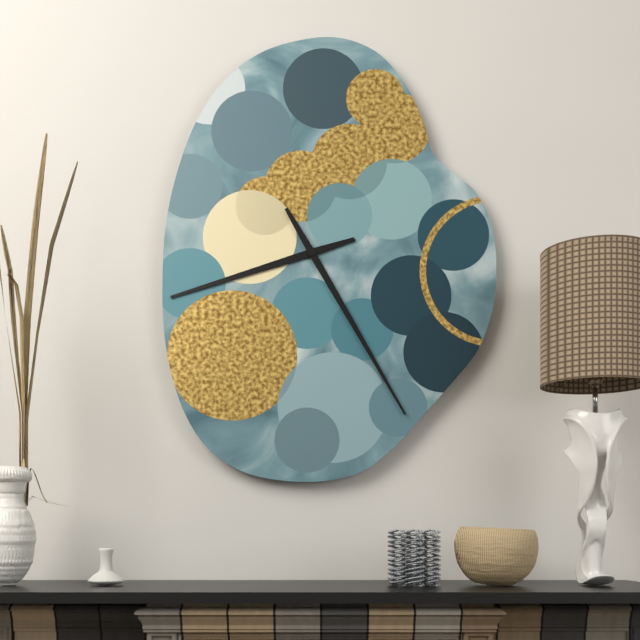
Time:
8.25
